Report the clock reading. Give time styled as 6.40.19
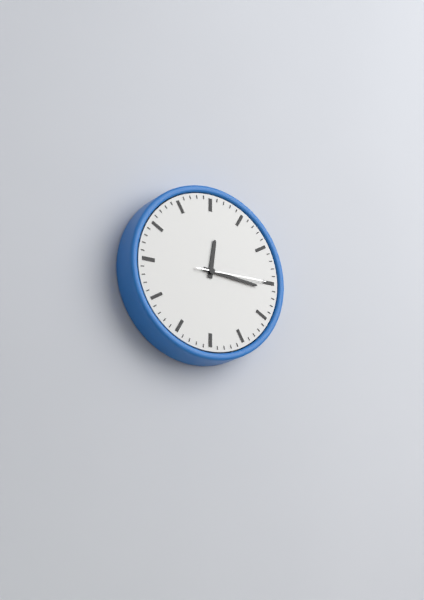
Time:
12.16.15
